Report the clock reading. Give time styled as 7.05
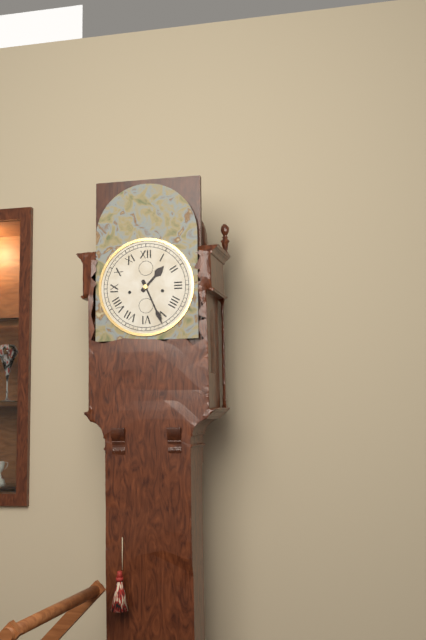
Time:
1.26
